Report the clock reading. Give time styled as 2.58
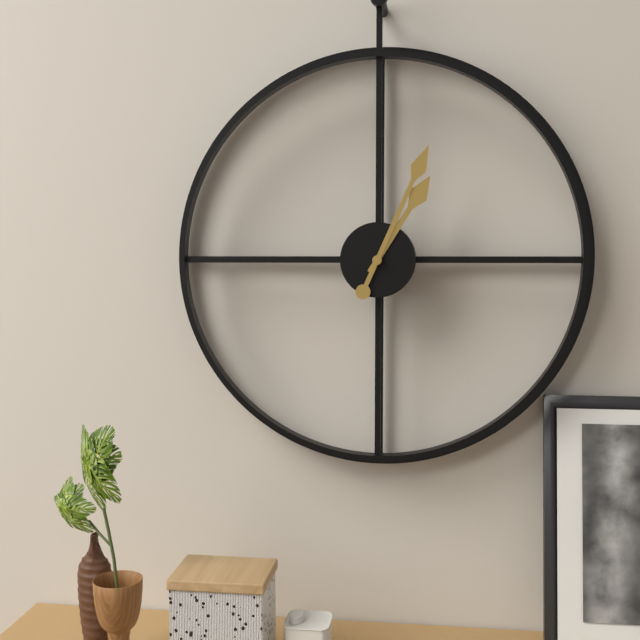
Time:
1.04
